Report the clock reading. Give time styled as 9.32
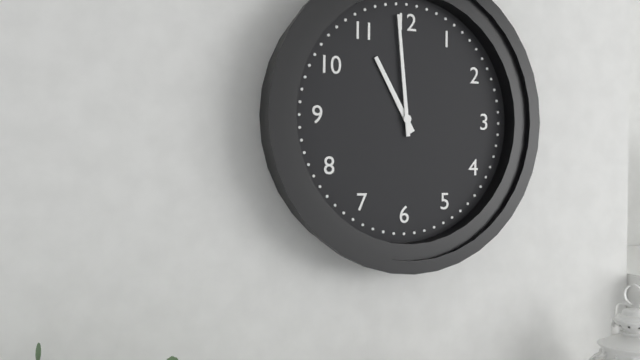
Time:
10.59
